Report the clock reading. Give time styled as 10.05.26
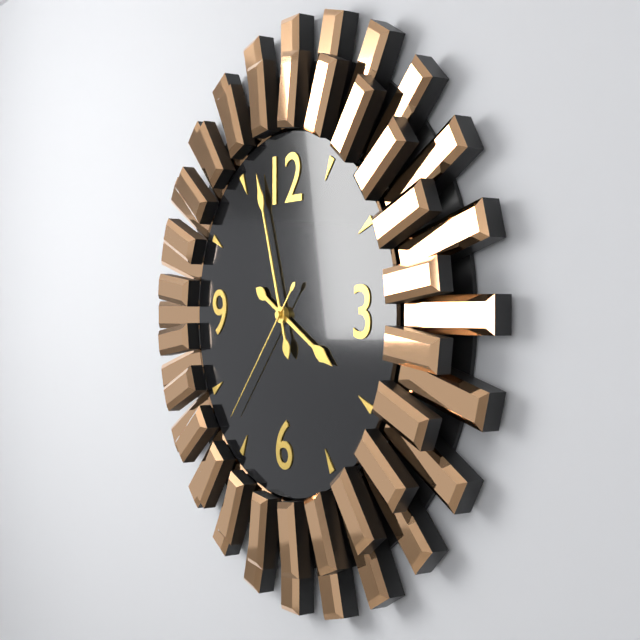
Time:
3.57.37
